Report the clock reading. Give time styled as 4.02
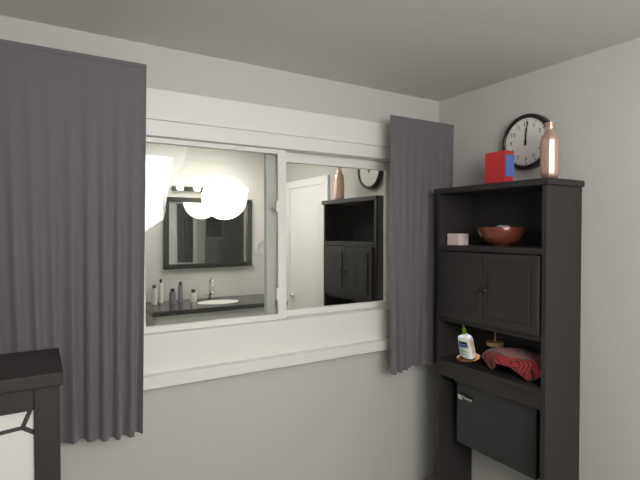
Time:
12.01
